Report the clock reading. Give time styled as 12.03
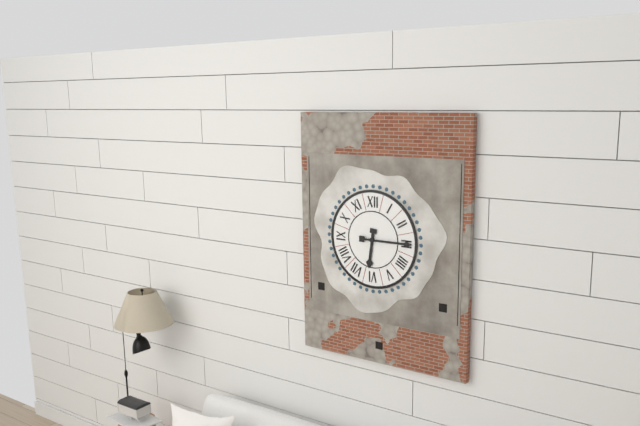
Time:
6.15
